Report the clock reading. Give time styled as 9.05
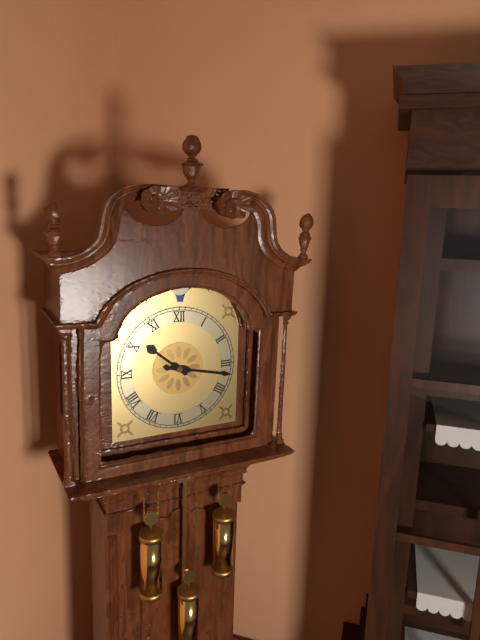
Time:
10.17
